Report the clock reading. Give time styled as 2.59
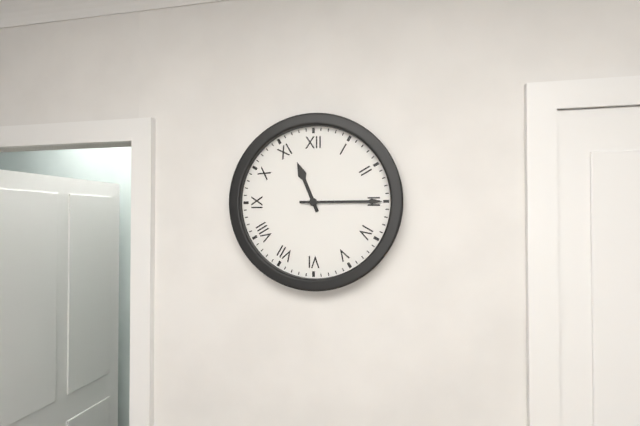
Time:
11.15
